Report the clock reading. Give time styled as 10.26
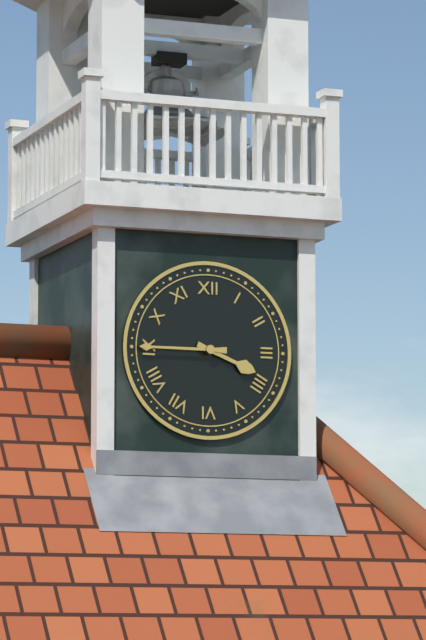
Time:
3.45
